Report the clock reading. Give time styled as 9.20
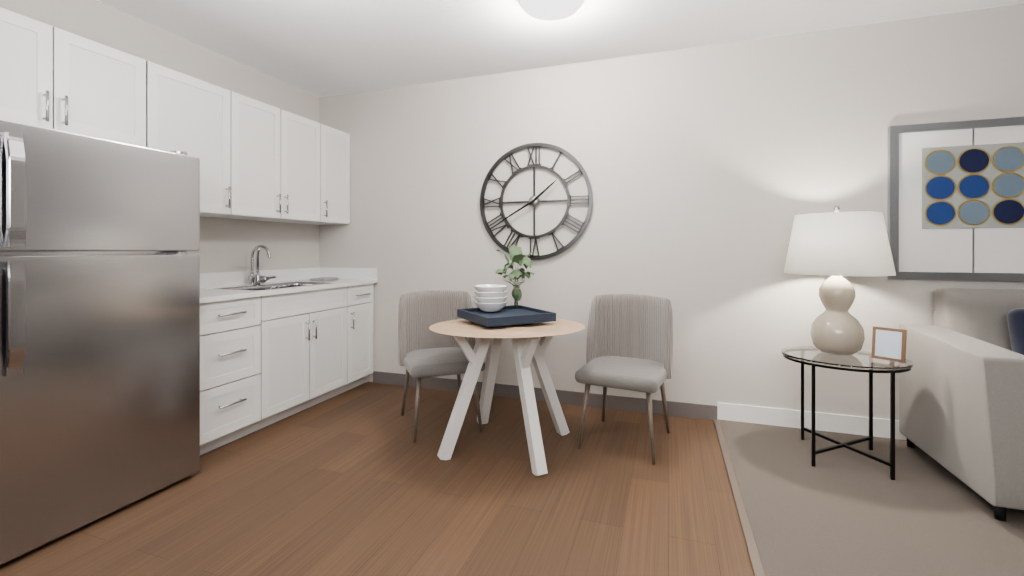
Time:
1.40
